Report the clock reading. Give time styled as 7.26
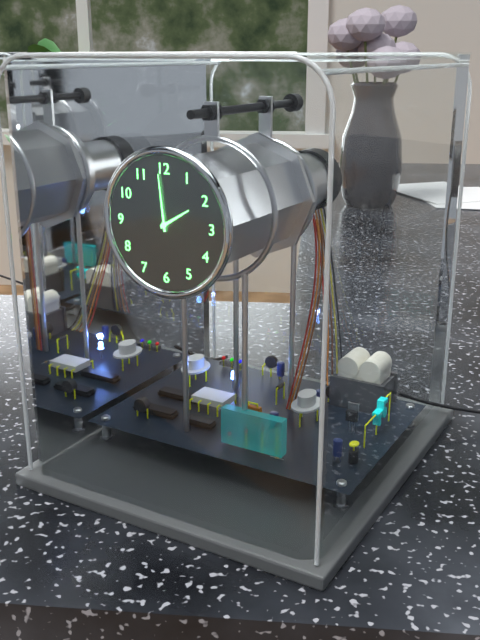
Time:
1.59
